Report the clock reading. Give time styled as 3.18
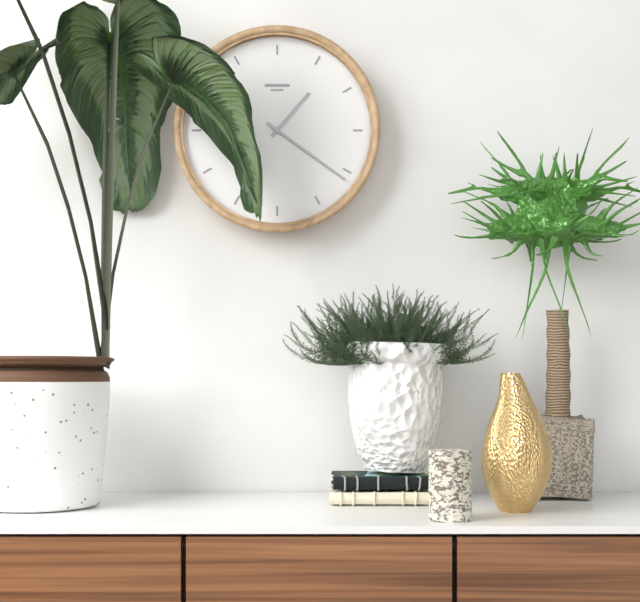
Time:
1.21
